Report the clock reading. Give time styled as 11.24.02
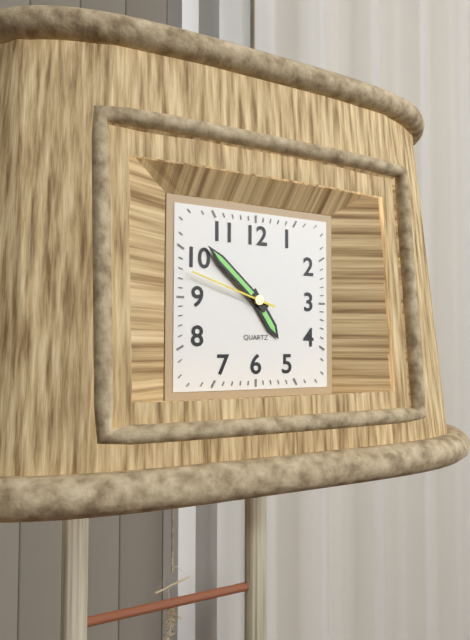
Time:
4.52.48
